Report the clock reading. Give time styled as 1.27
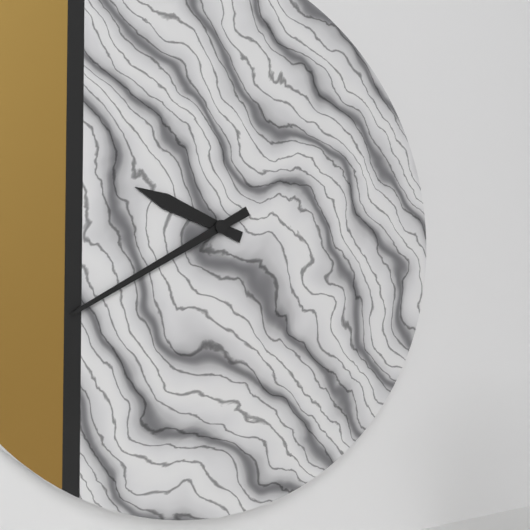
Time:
9.40
